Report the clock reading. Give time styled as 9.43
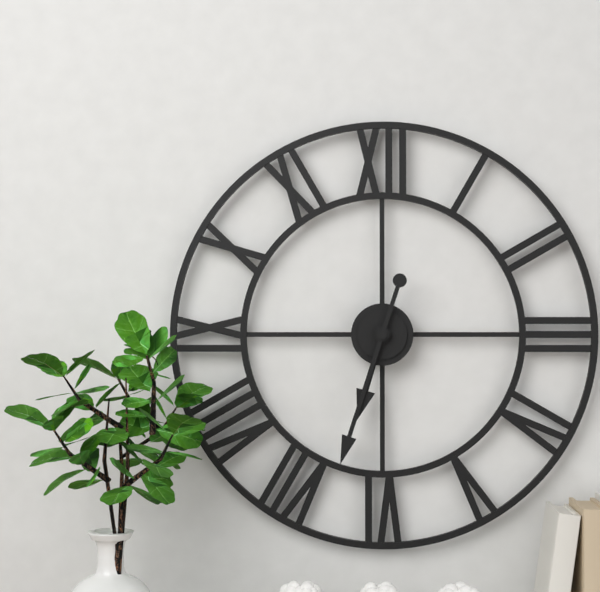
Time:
6.33
